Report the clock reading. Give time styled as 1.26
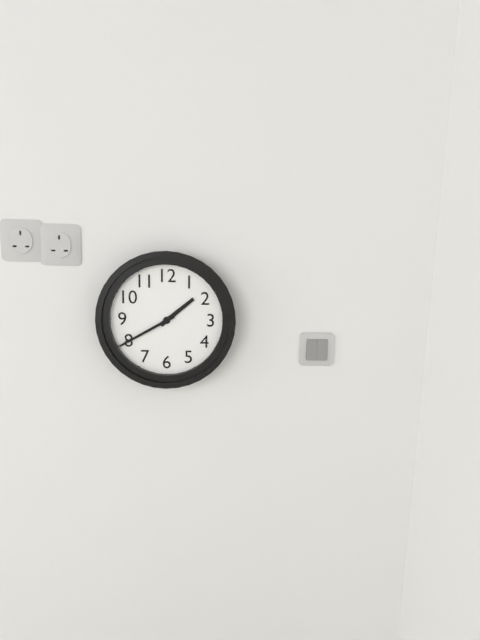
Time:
1.40
